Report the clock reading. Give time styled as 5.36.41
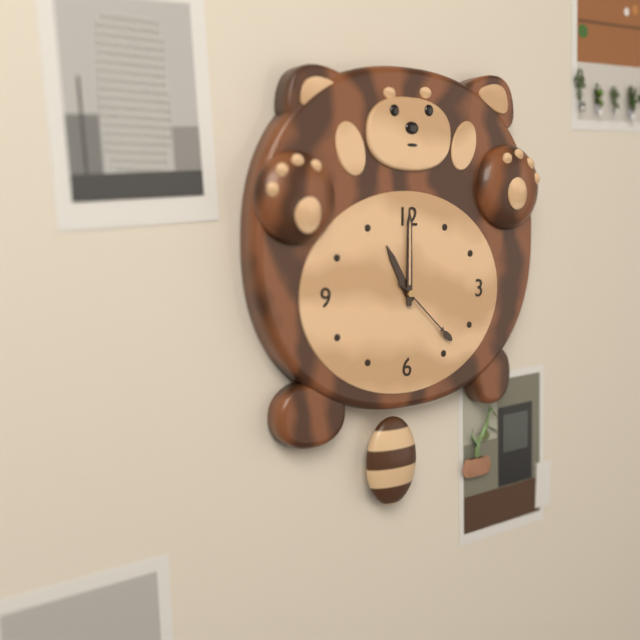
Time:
11.00.22
